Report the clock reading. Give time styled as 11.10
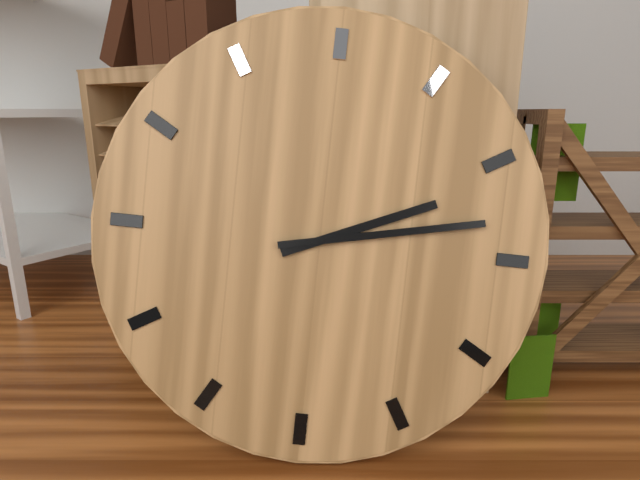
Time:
2.13
